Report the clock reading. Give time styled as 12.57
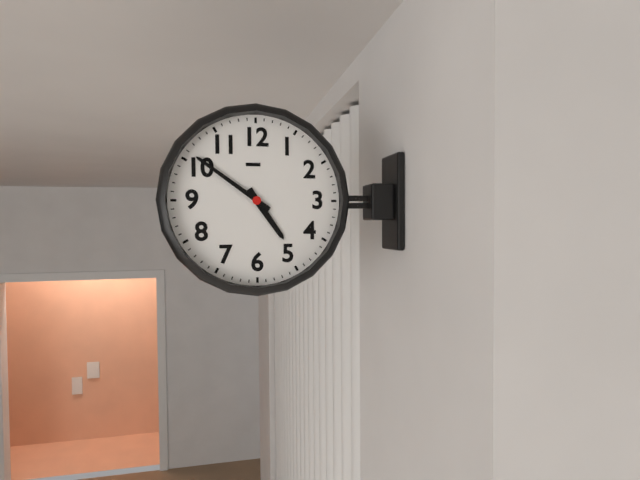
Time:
4.51
